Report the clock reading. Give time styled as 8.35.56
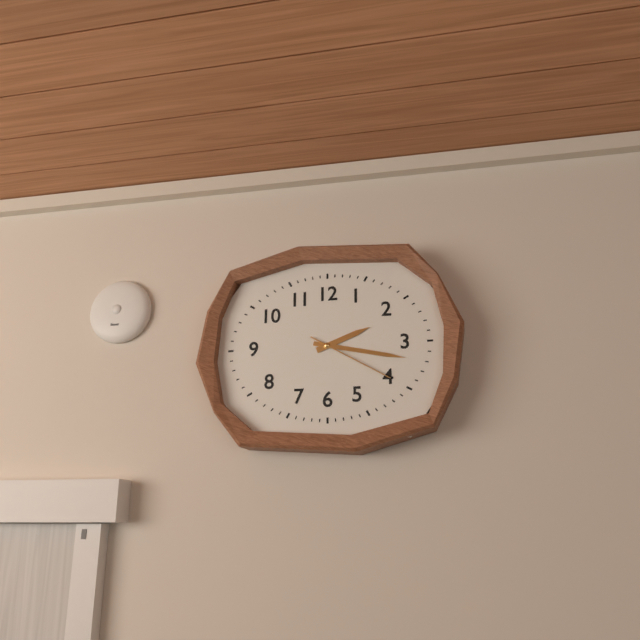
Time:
2.17.20
